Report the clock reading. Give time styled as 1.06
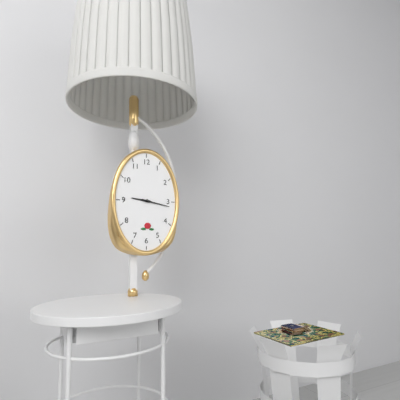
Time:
9.17
